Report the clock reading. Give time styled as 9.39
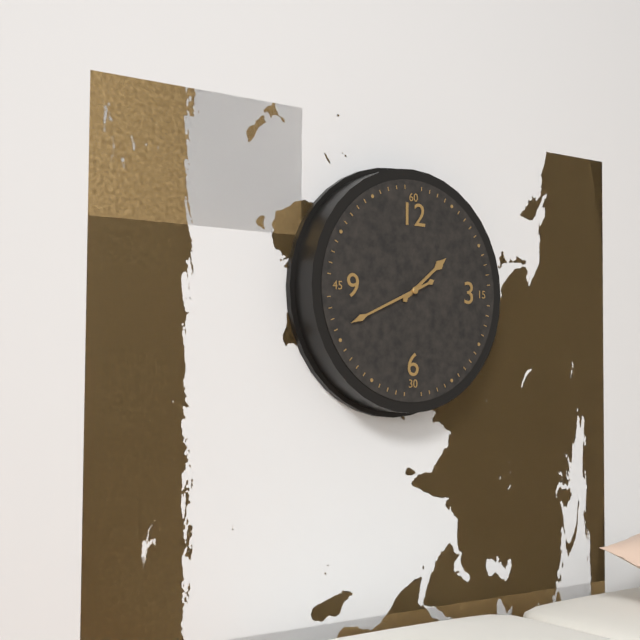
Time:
1.41
